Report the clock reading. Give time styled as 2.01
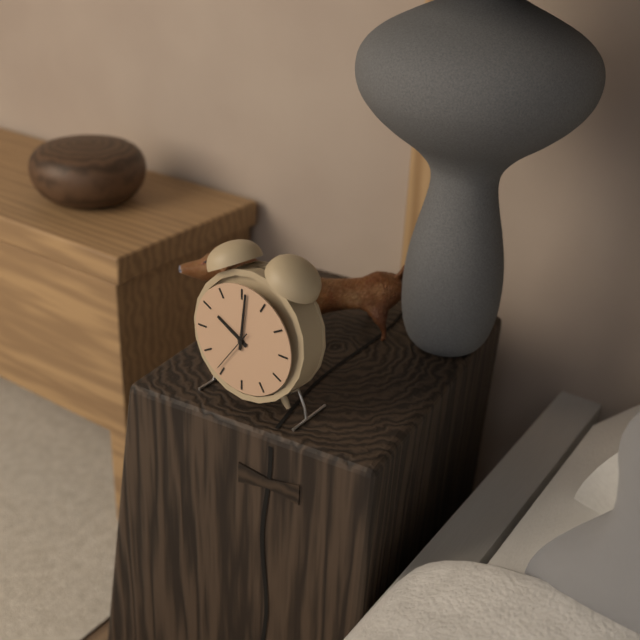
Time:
10.01
